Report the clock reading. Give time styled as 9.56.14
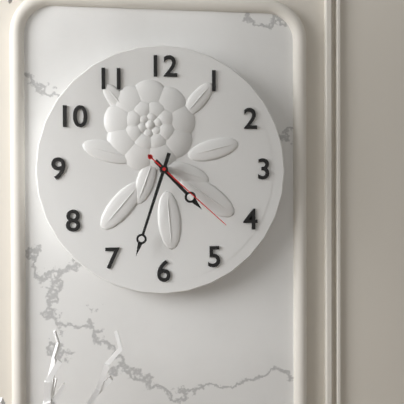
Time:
4.33.22
